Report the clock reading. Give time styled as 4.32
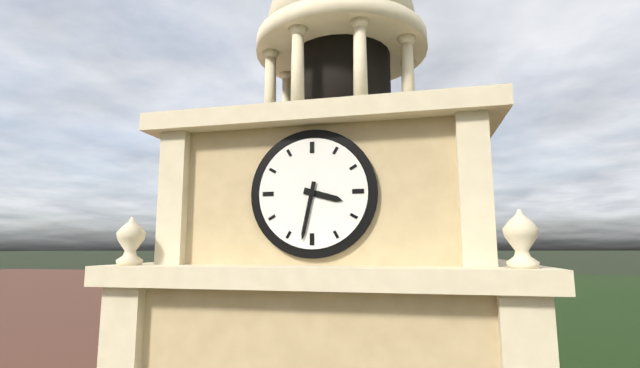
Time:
3.32
